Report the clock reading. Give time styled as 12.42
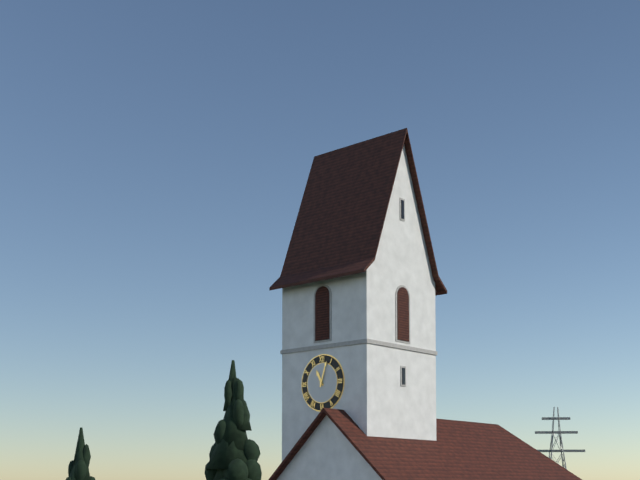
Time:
11.03
